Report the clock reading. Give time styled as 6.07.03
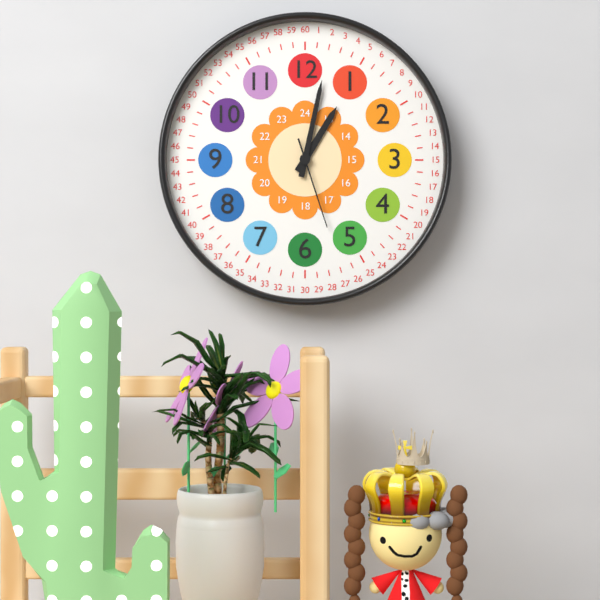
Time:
1.02.27
